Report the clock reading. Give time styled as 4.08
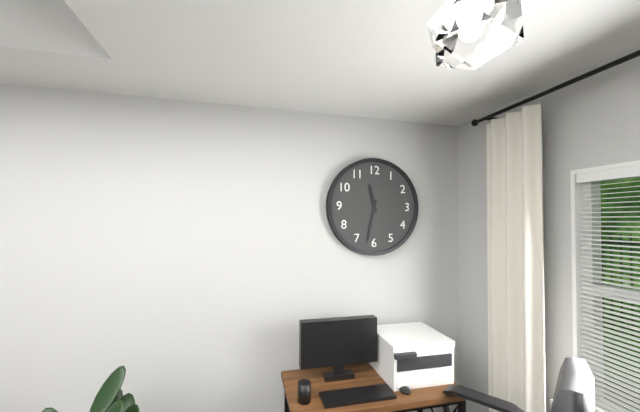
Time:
11.32
